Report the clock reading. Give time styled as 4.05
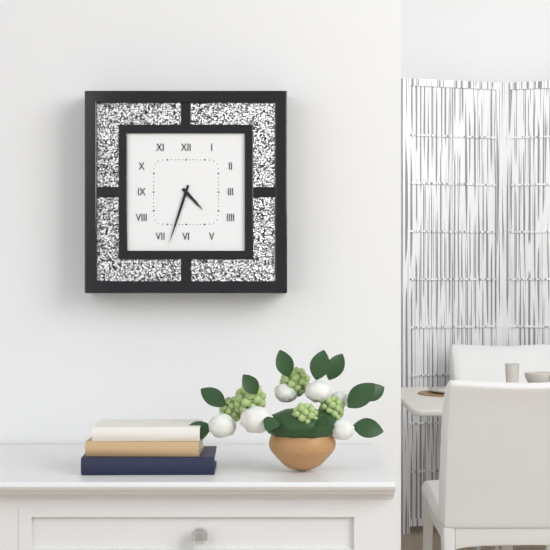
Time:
4.33
